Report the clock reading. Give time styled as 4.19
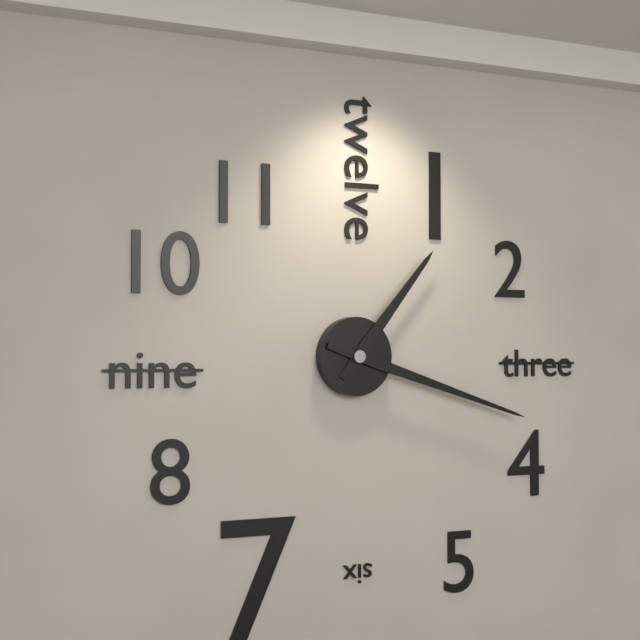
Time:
1.18
